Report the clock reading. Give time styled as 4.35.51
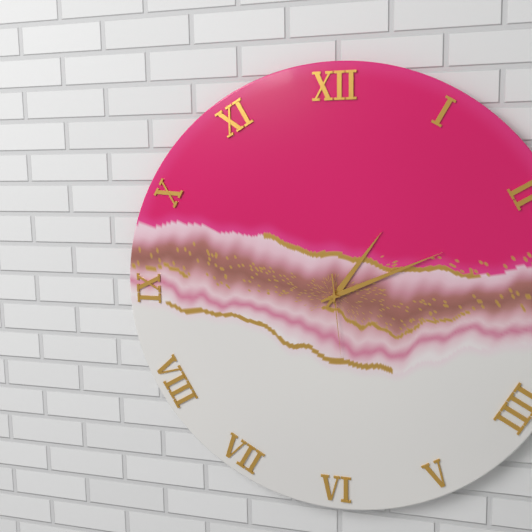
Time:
1.11.29
